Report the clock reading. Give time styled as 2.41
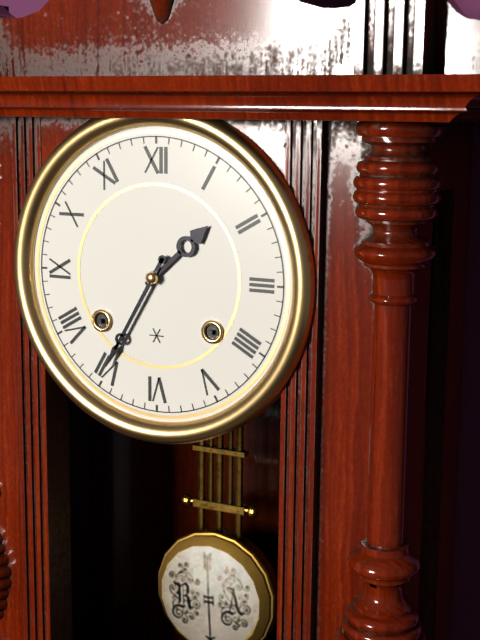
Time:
1.35
